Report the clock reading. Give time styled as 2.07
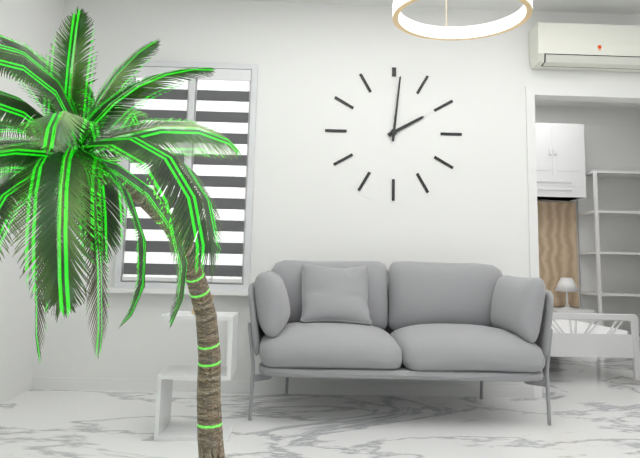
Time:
2.01
